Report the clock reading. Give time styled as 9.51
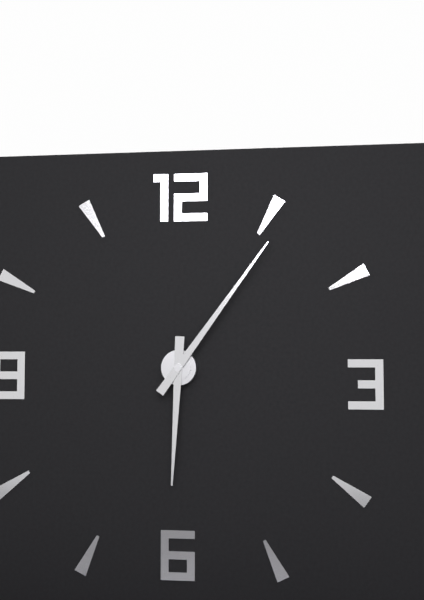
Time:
6.06
